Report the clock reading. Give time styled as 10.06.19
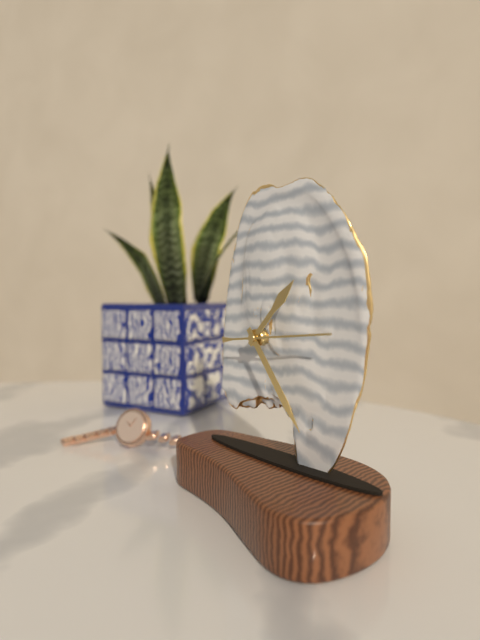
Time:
1.24.14
